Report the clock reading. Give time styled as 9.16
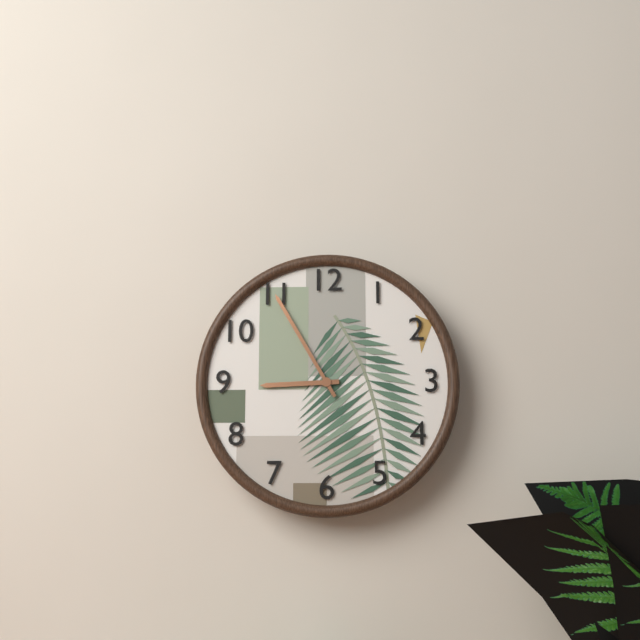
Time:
8.55
